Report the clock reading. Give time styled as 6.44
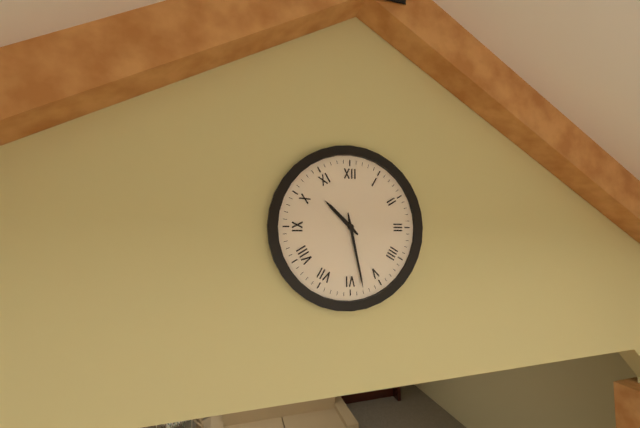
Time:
10.28
